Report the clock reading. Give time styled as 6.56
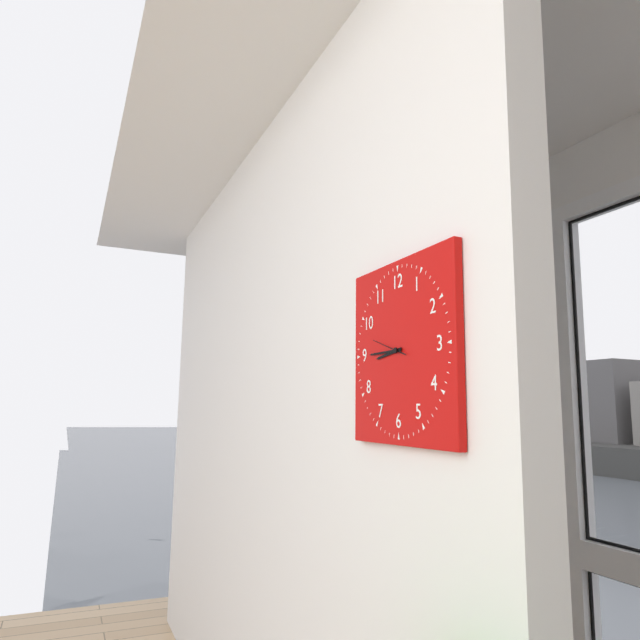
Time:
8.45
